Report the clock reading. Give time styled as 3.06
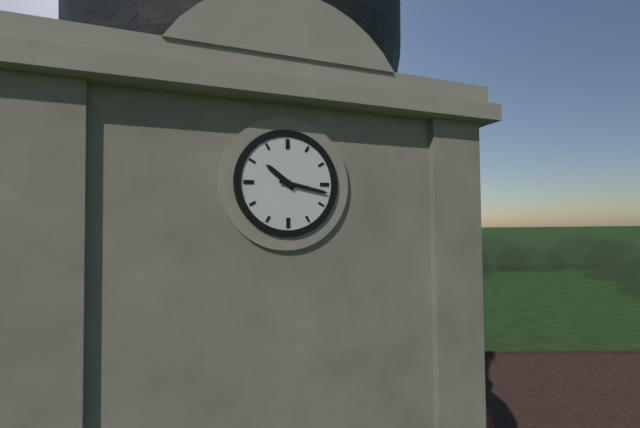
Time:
10.17
